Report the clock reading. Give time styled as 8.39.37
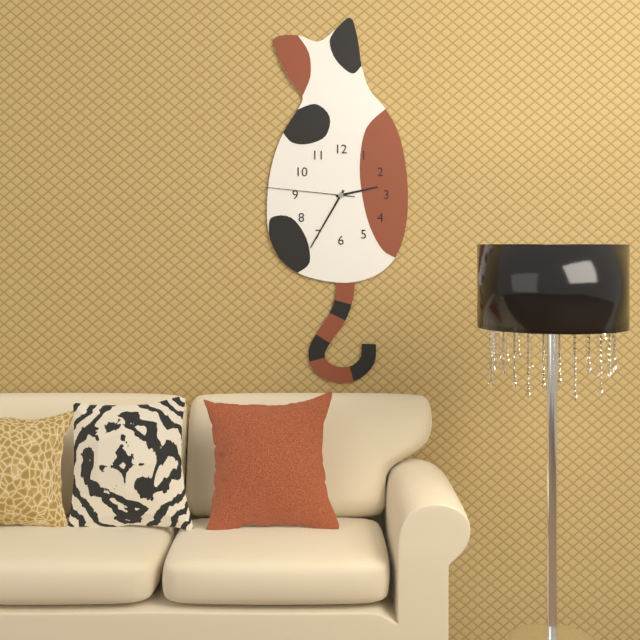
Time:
2.35.46
